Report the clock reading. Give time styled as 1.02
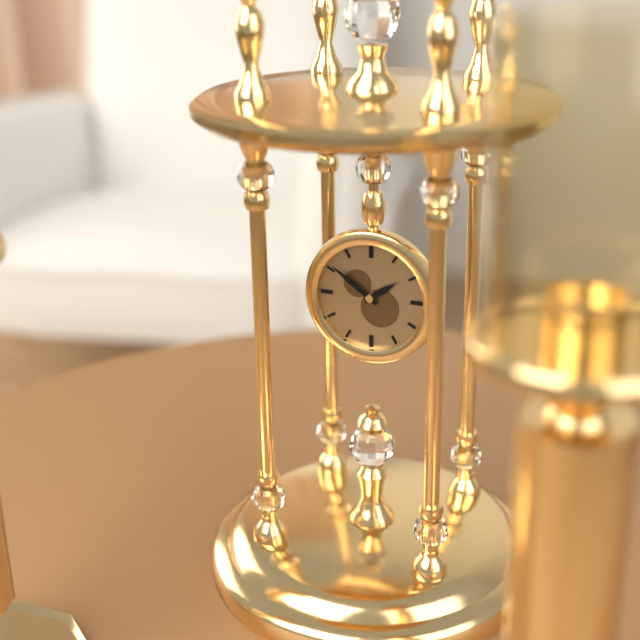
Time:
1.51
